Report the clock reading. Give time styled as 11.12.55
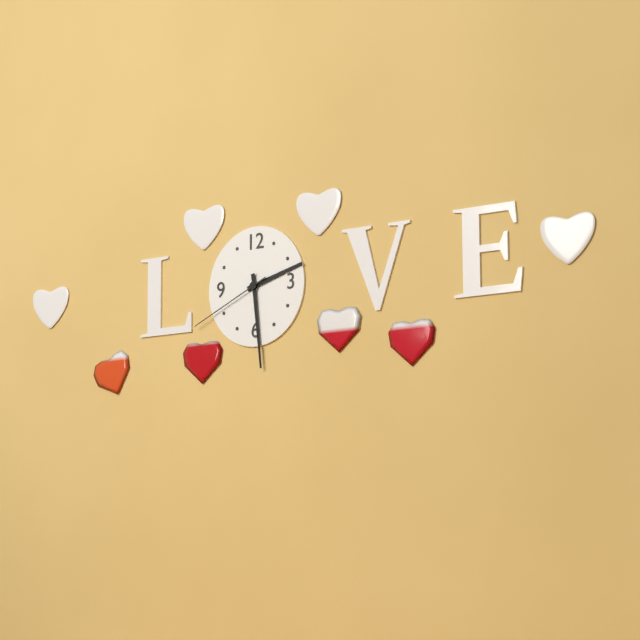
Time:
2.29.41
